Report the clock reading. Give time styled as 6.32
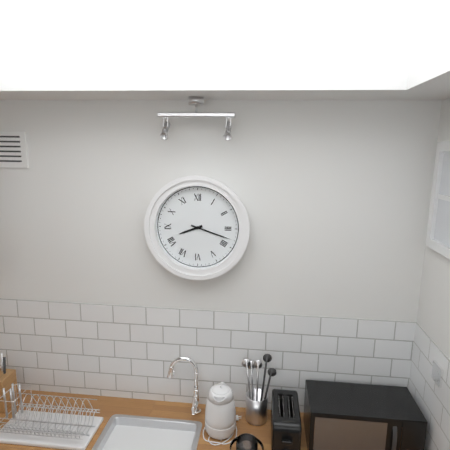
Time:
8.18
